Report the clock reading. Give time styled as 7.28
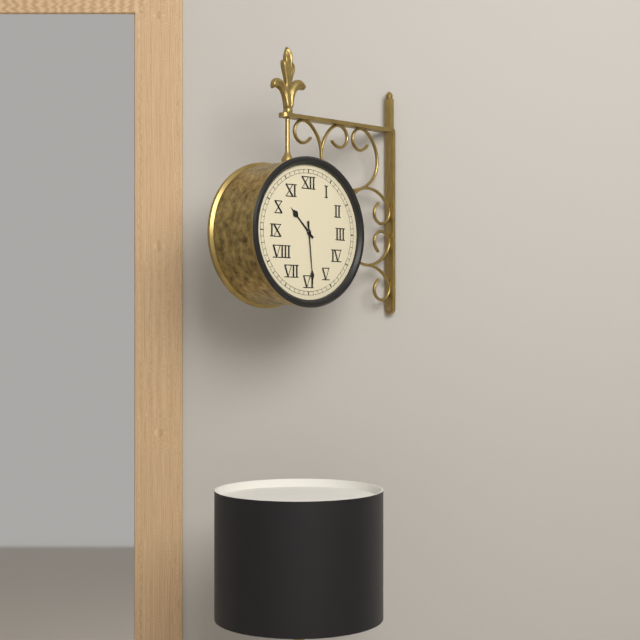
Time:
10.29
